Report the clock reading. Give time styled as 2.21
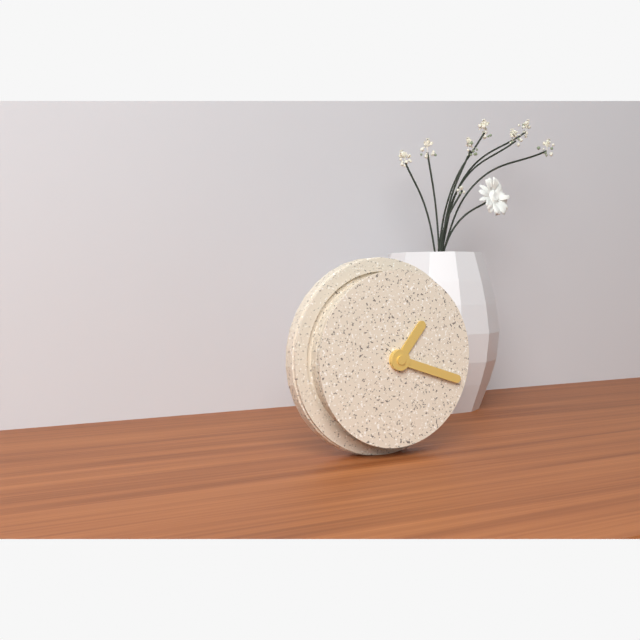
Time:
1.18
